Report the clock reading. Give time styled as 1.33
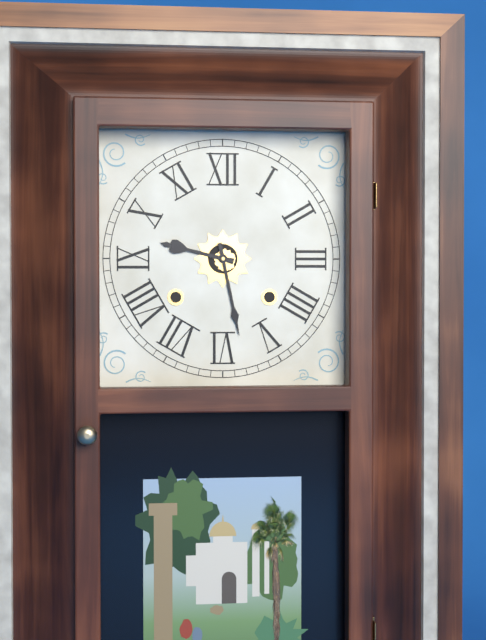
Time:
9.28
